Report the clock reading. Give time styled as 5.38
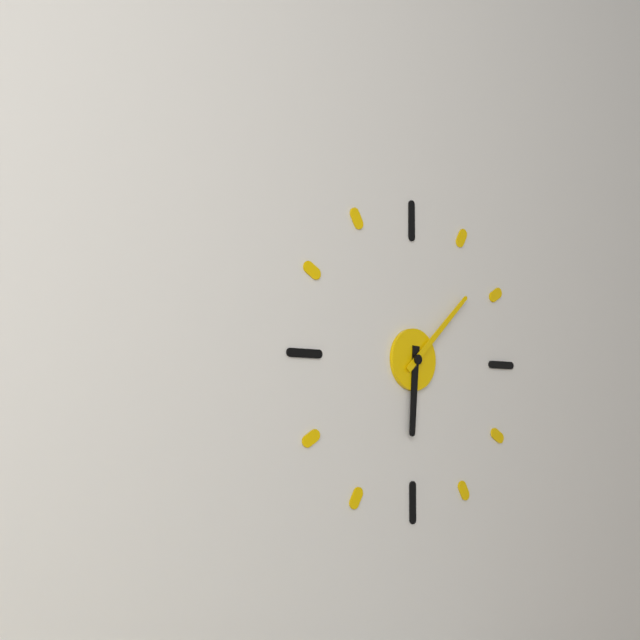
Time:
6.08
